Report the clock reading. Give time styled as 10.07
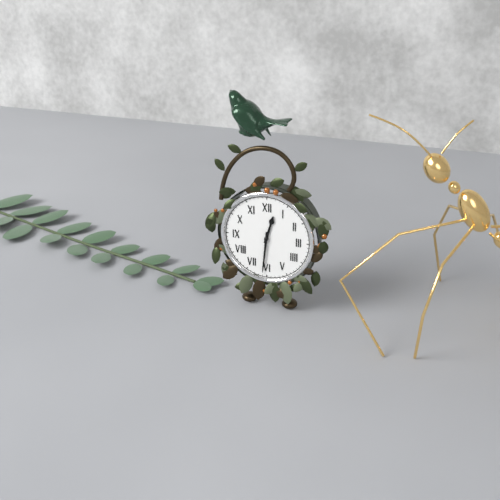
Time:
12.31
